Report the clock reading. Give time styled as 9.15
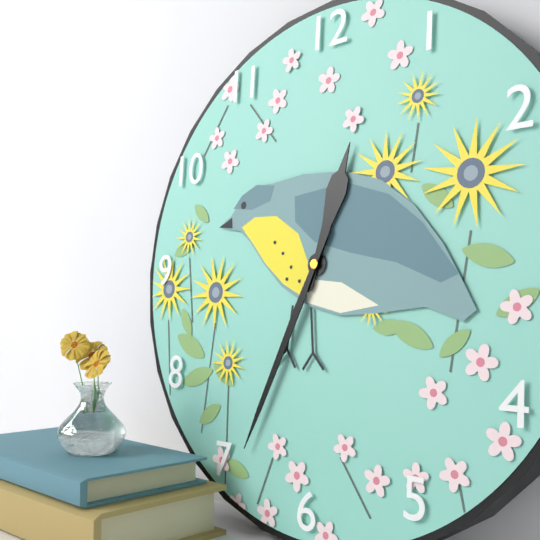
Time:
12.34
